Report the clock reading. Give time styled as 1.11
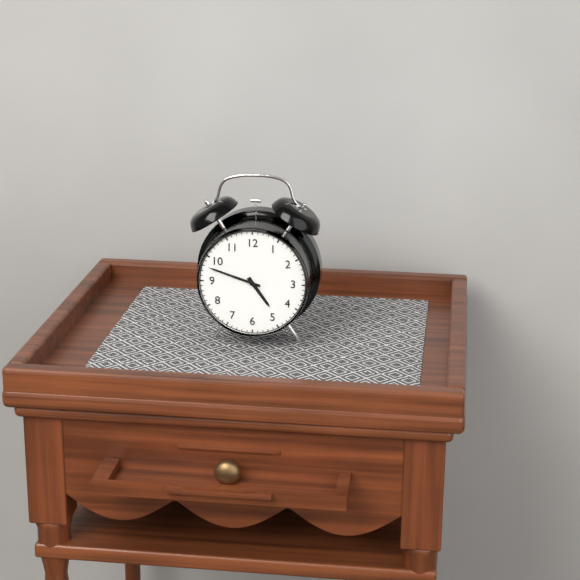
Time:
4.48
